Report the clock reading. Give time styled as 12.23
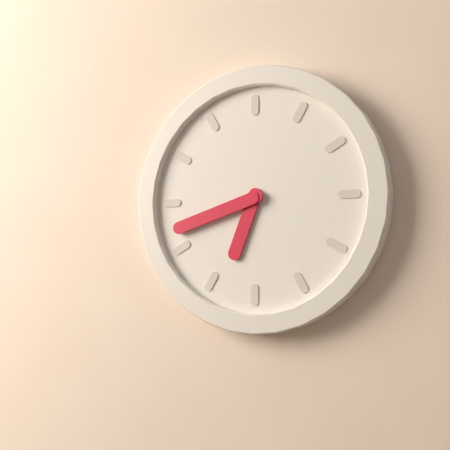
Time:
6.42
